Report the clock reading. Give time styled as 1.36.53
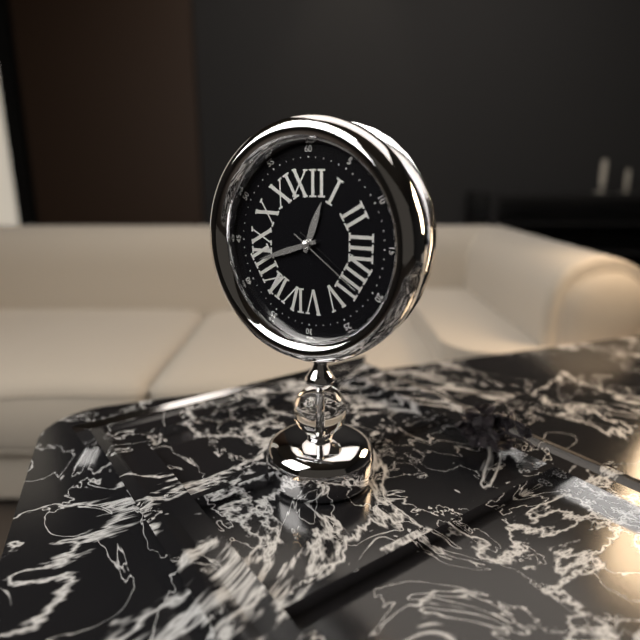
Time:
12.42.21
